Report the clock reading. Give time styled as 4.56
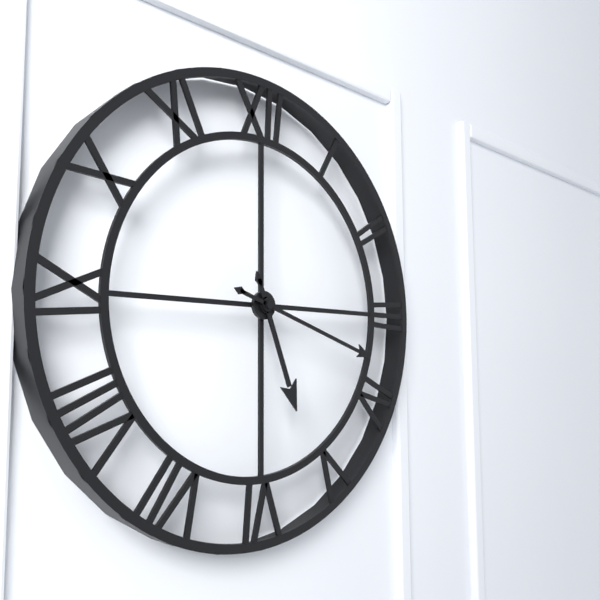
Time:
5.18
